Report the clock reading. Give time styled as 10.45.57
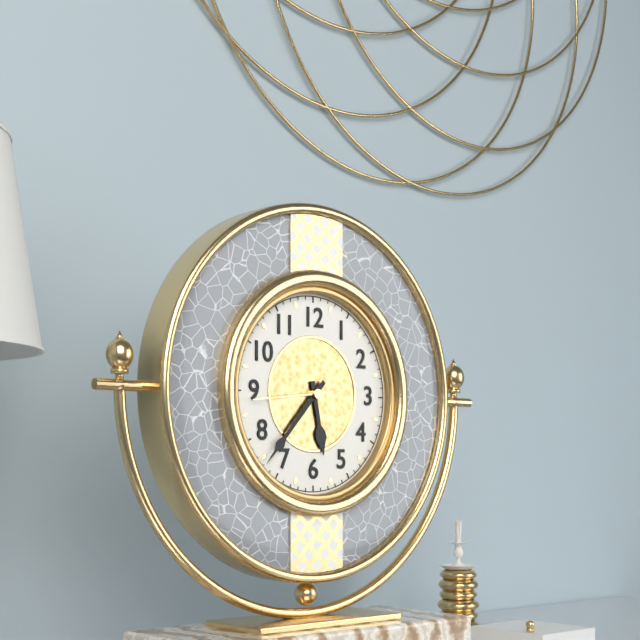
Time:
5.37.44
